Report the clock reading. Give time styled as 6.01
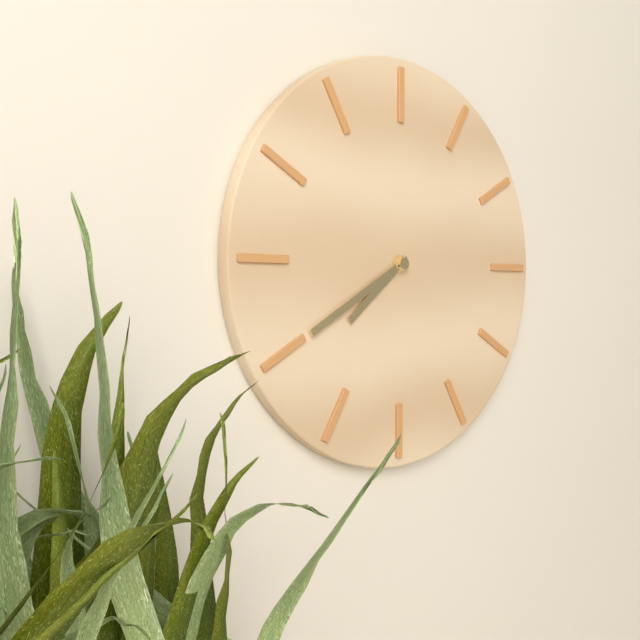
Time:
7.40
